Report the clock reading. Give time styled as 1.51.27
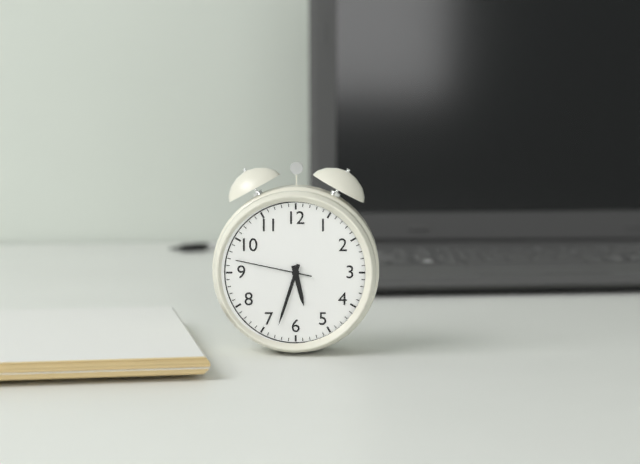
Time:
5.33.47
